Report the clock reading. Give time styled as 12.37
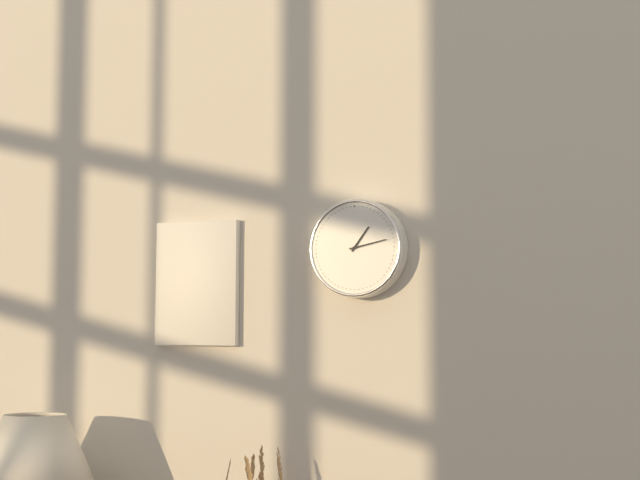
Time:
1.13
